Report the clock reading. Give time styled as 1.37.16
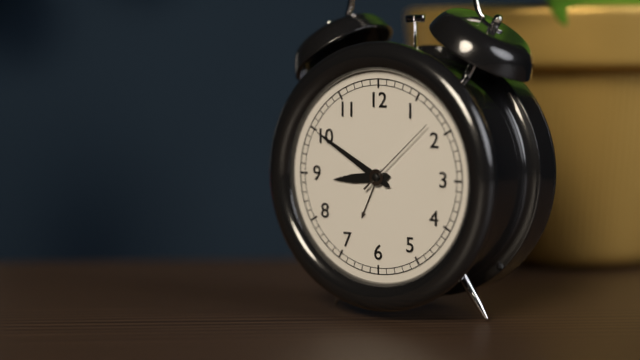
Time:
8.50.08
